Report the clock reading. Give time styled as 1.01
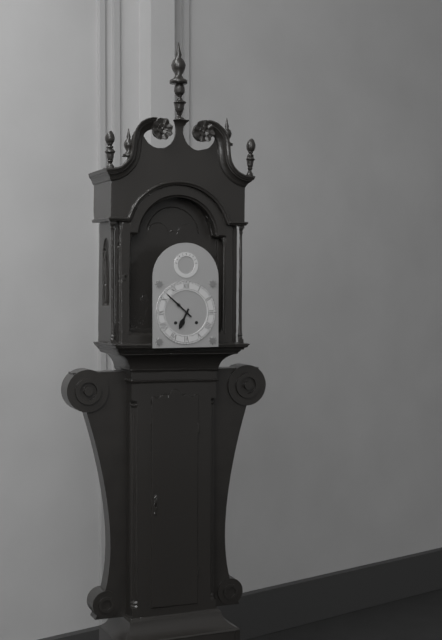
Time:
6.52
